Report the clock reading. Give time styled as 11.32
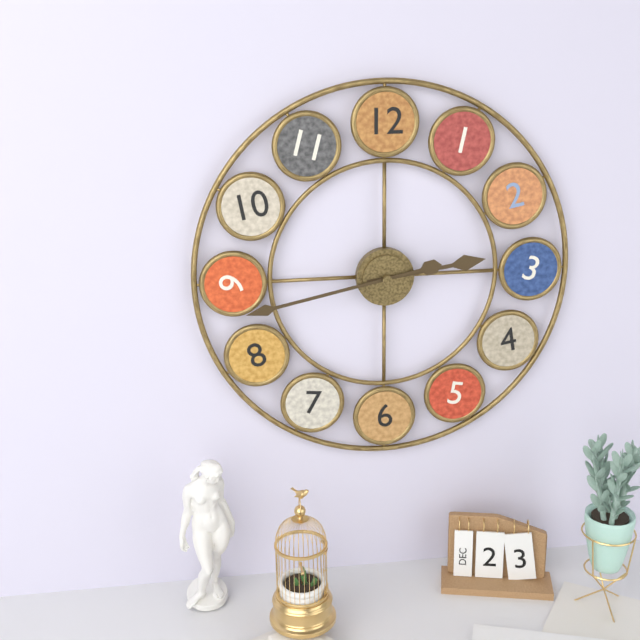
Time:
2.43
